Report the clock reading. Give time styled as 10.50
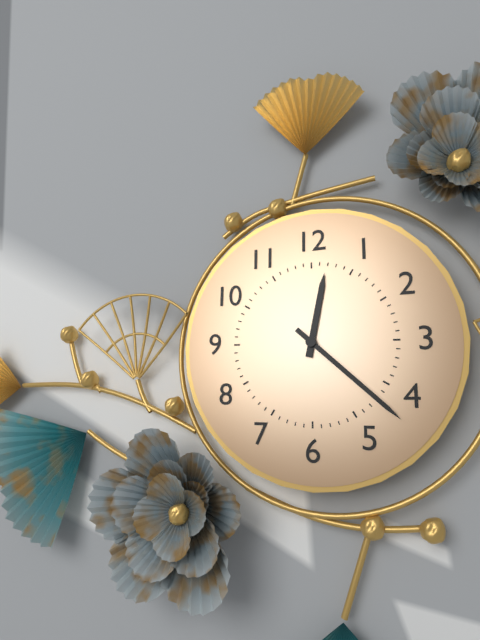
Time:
12.22
